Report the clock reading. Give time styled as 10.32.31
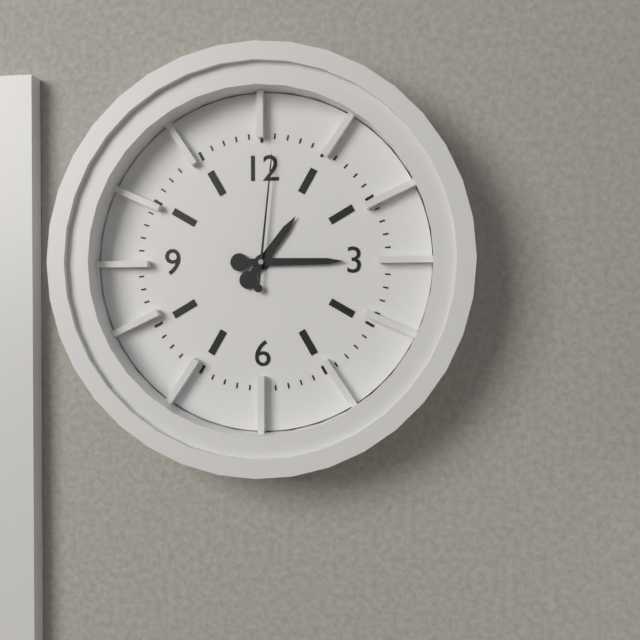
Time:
1.15.01
